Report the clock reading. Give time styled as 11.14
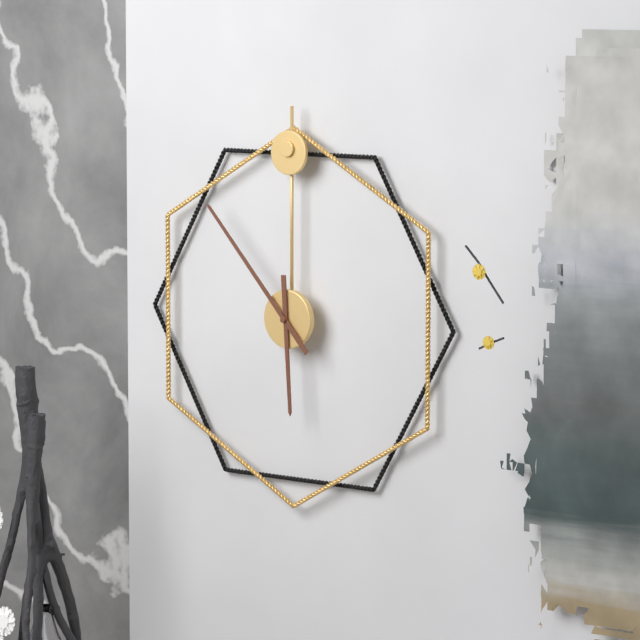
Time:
5.53
